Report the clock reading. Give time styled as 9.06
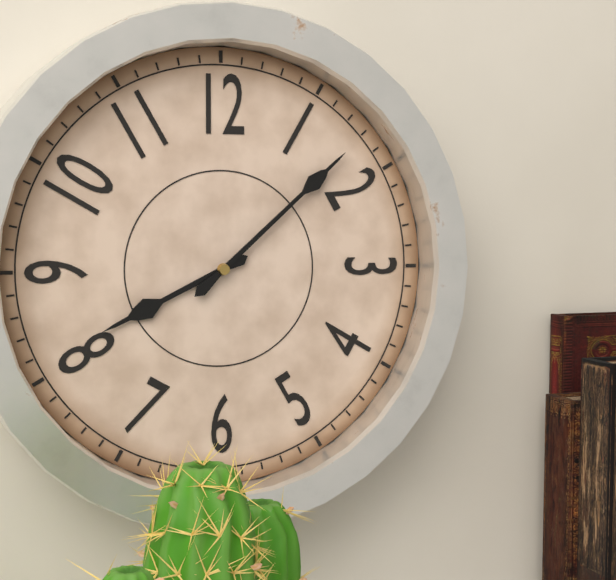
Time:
8.08
